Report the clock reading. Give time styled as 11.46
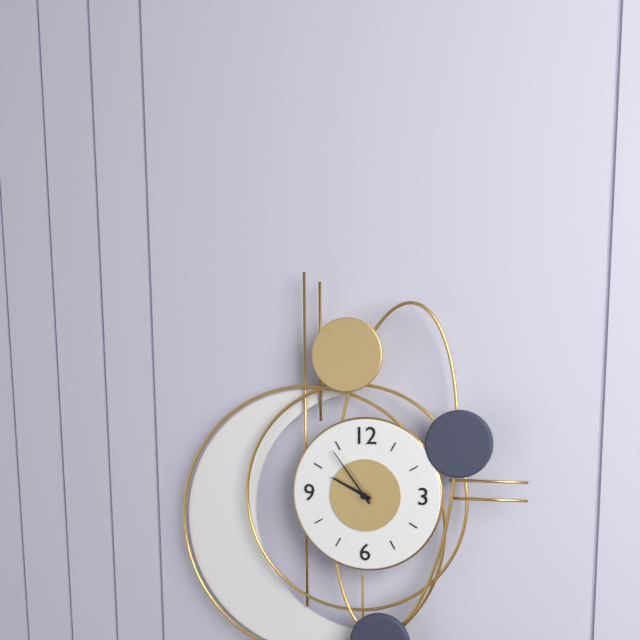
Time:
9.54
